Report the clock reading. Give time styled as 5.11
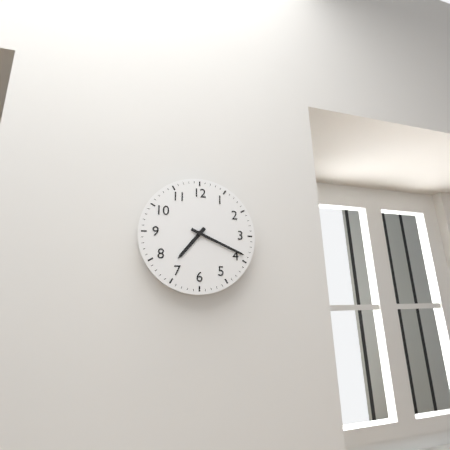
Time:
7.19
